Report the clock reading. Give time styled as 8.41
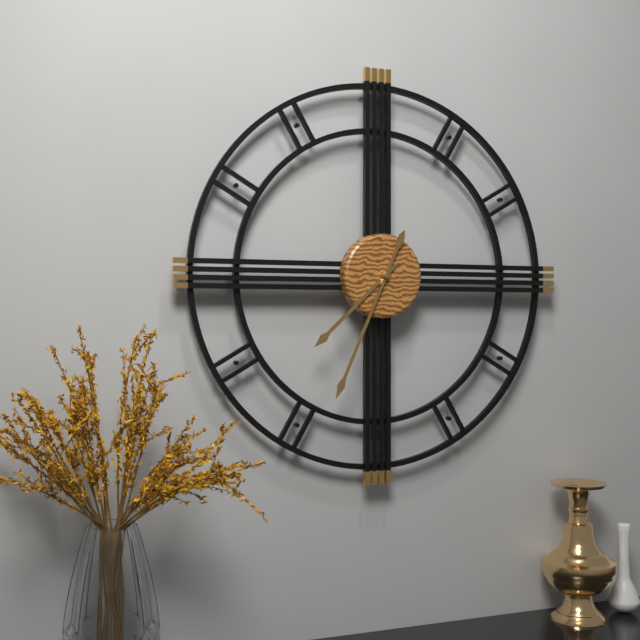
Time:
7.34
